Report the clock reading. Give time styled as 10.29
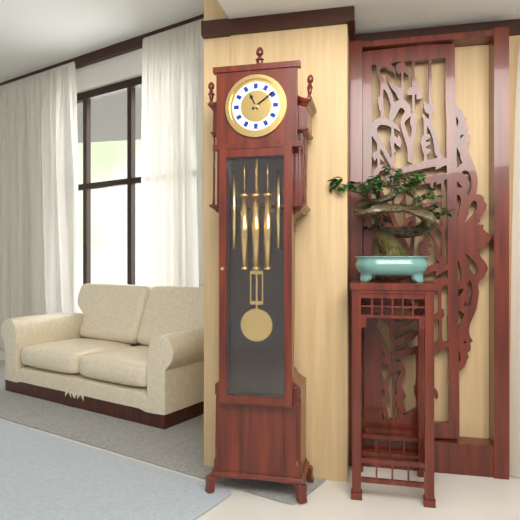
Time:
11.09
